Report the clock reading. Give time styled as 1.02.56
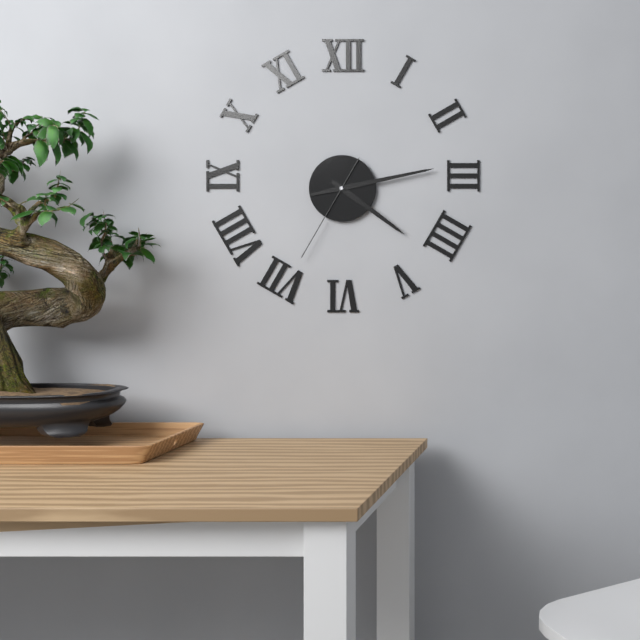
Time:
4.13.35
